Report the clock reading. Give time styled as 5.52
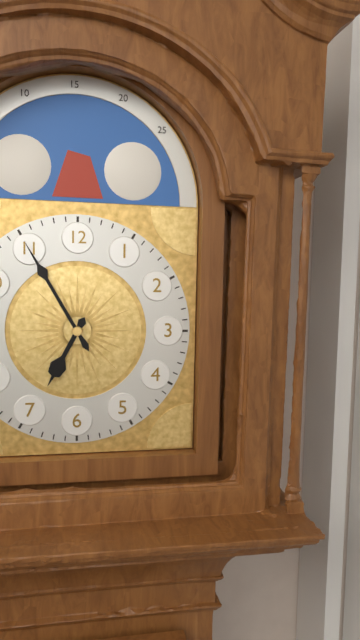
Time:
6.55
